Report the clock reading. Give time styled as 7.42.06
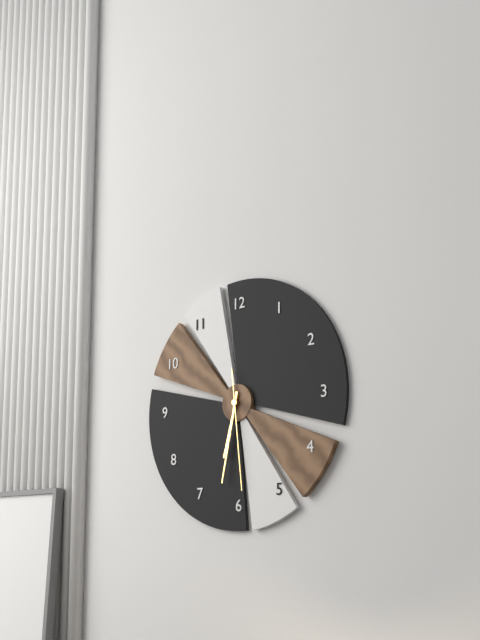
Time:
6.32.29
